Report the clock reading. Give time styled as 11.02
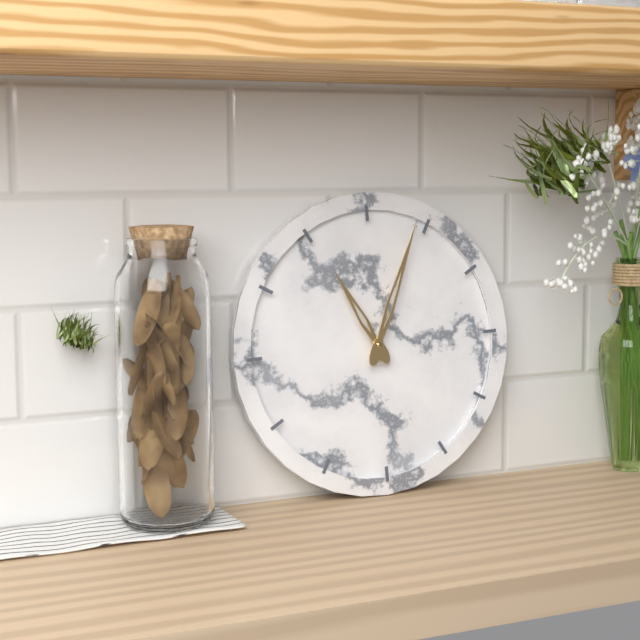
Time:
11.04
